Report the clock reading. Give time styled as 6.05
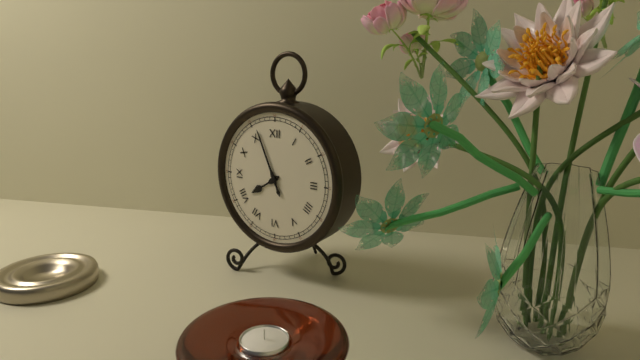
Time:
7.56
